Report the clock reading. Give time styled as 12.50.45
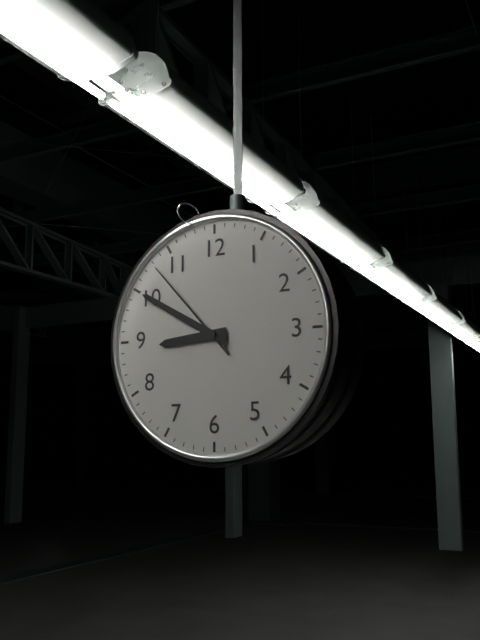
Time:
8.50.53
